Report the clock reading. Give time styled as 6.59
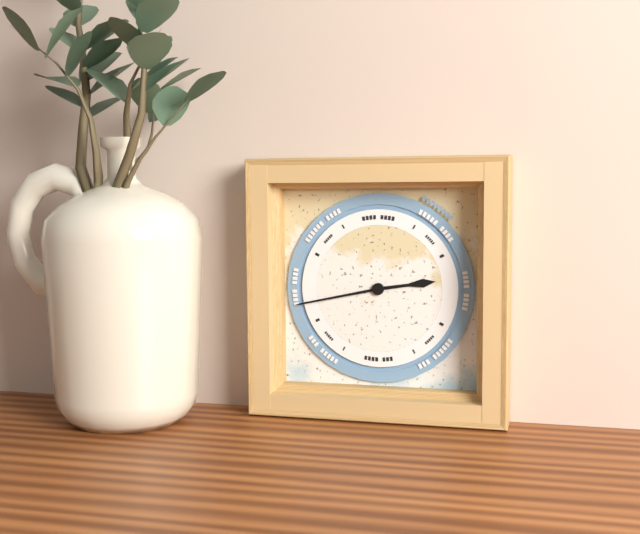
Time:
2.43
